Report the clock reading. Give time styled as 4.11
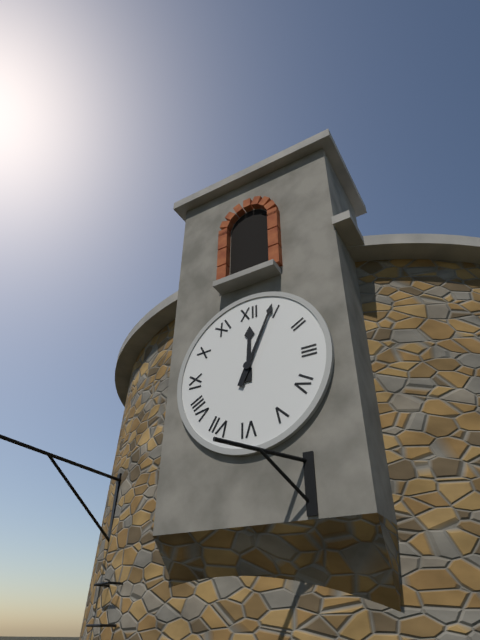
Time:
12.04
